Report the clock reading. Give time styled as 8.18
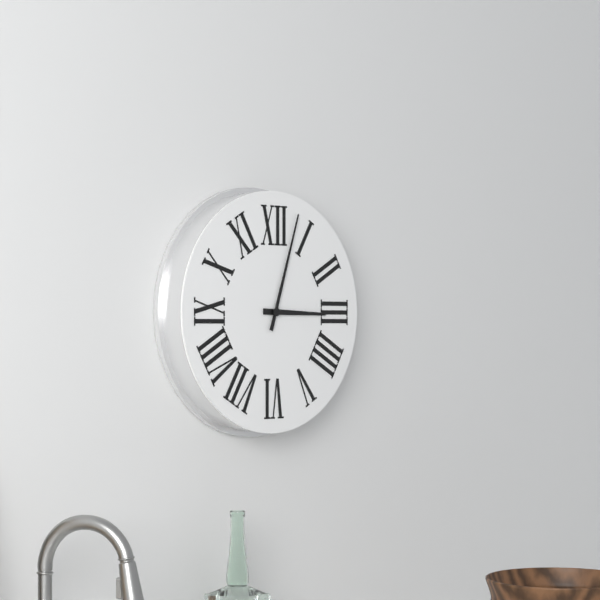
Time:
3.03
